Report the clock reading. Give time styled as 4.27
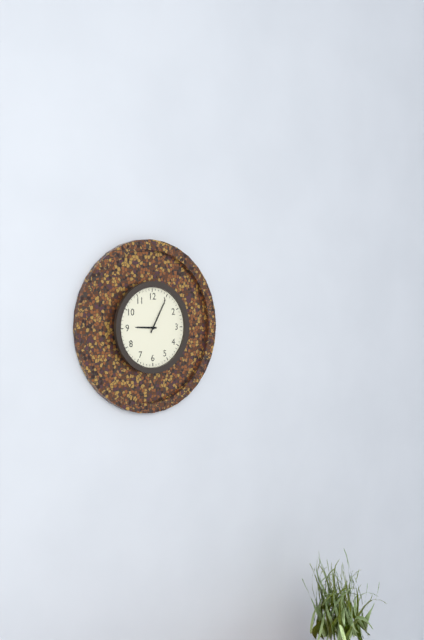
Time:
9.05
